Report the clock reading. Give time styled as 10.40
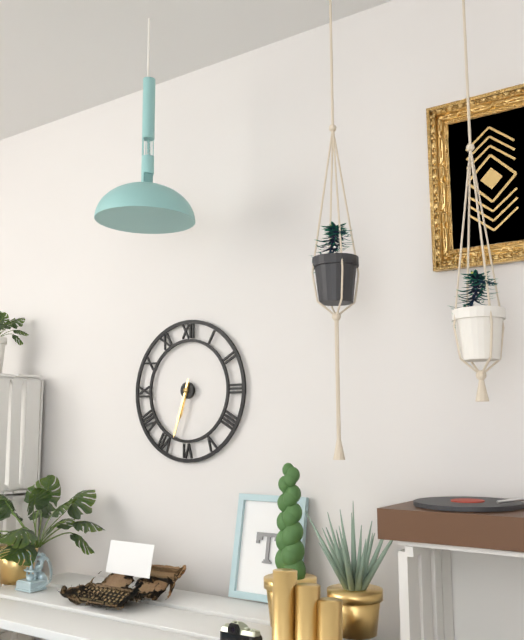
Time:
6.33
